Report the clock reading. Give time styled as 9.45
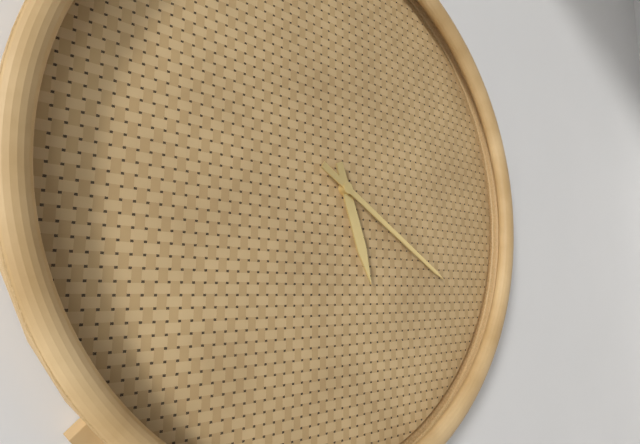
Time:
5.20
